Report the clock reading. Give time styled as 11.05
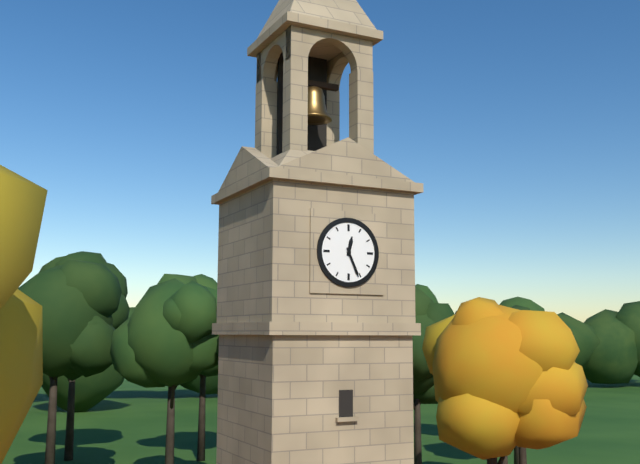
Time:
12.26
